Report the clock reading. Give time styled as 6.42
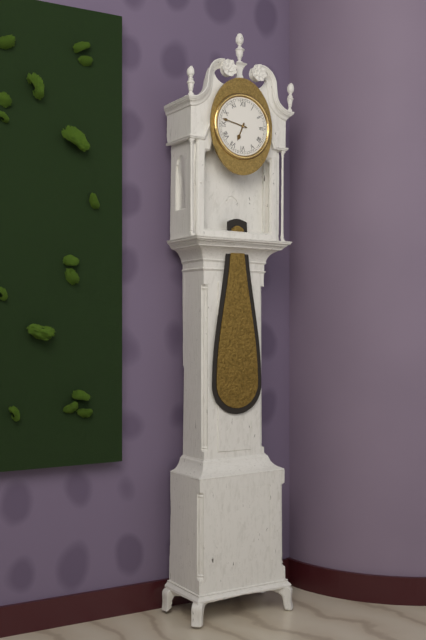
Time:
6.47
